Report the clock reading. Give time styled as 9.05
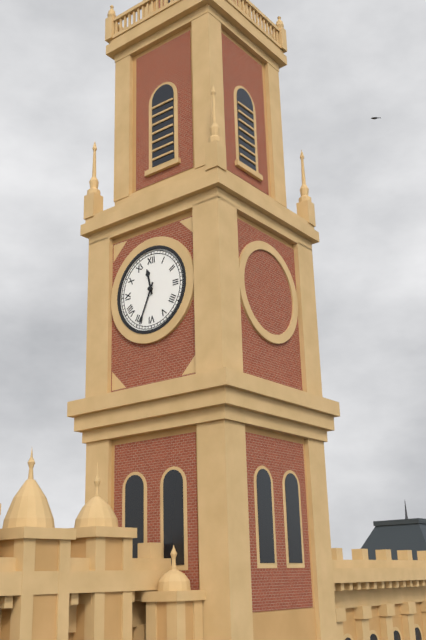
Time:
11.34
